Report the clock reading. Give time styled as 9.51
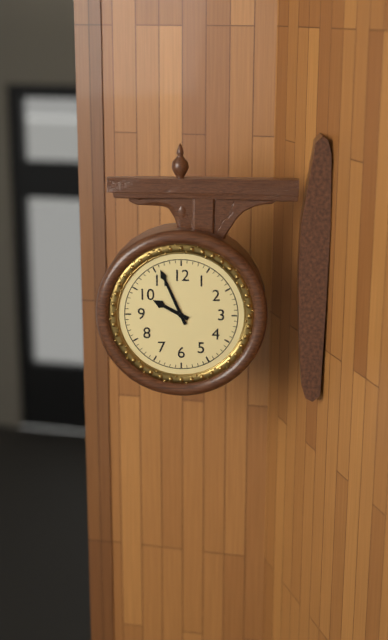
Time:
9.56
